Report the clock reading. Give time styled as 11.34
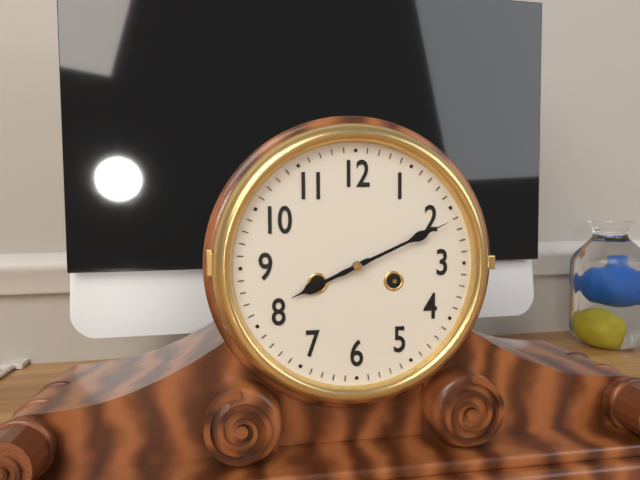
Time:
8.11
